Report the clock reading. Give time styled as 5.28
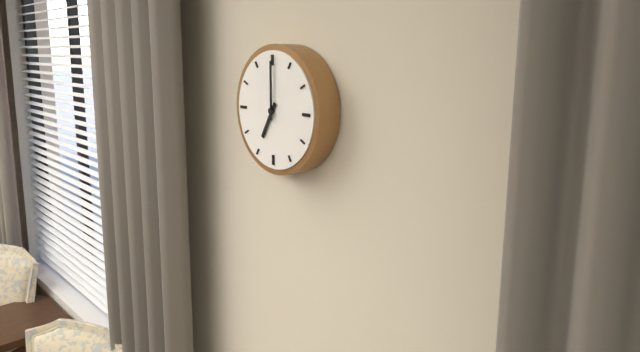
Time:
7.00
